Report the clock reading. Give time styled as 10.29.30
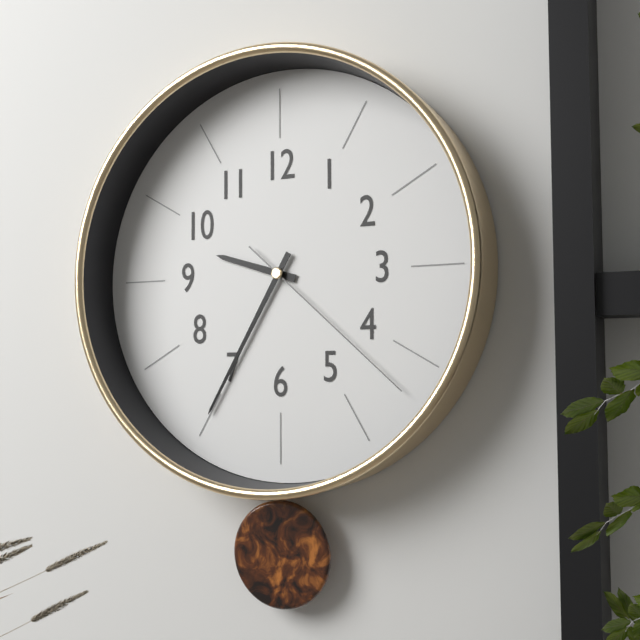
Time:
9.35.22
